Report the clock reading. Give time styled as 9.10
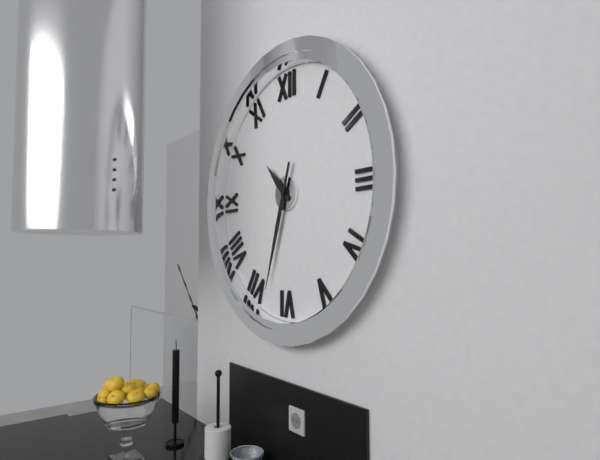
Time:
10.33
